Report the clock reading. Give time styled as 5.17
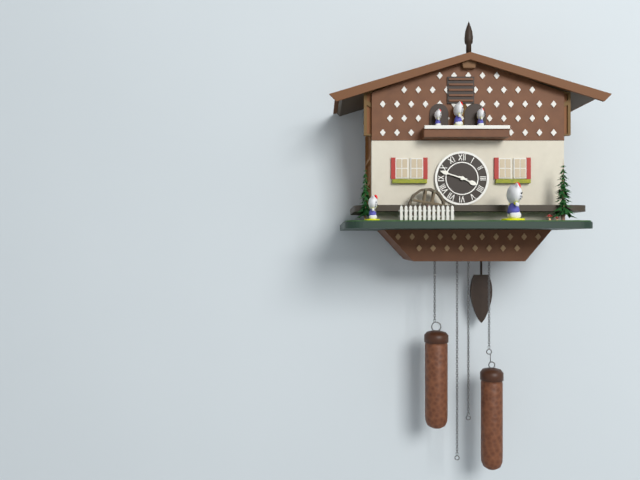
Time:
3.48
